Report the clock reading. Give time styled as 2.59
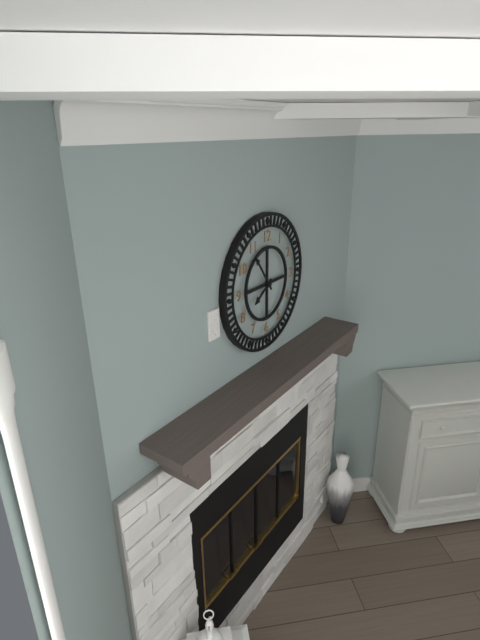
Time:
7.54
